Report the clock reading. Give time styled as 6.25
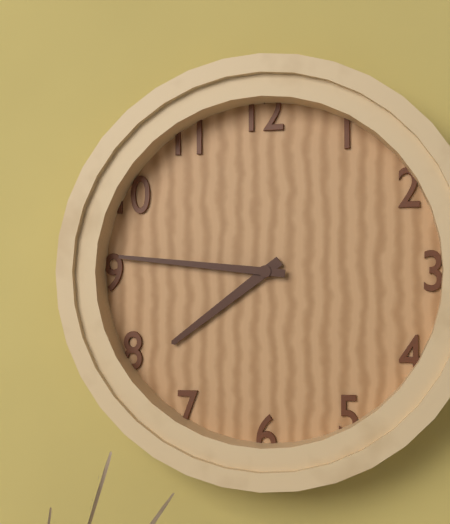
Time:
7.46
